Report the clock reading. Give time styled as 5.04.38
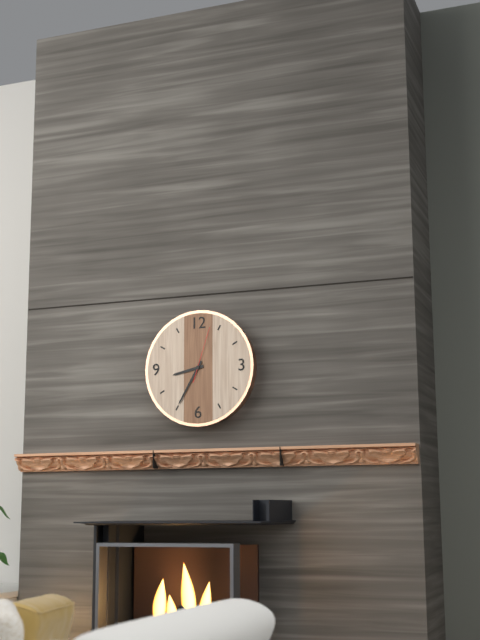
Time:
8.35.03
